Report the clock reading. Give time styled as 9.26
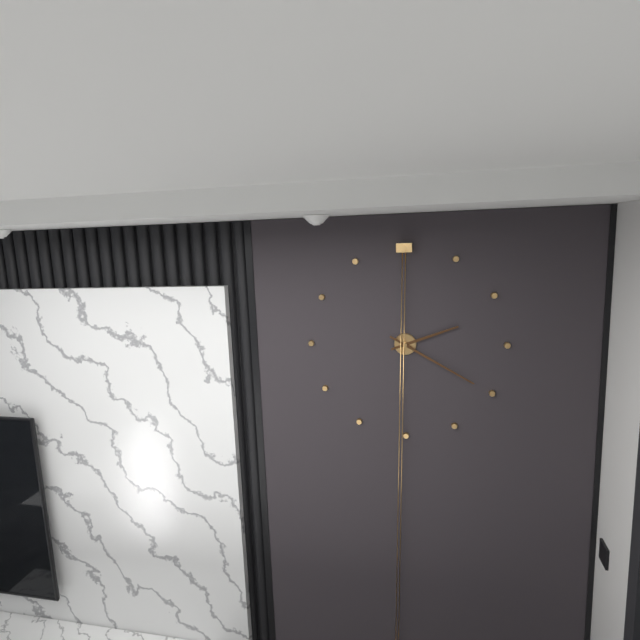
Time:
2.20
